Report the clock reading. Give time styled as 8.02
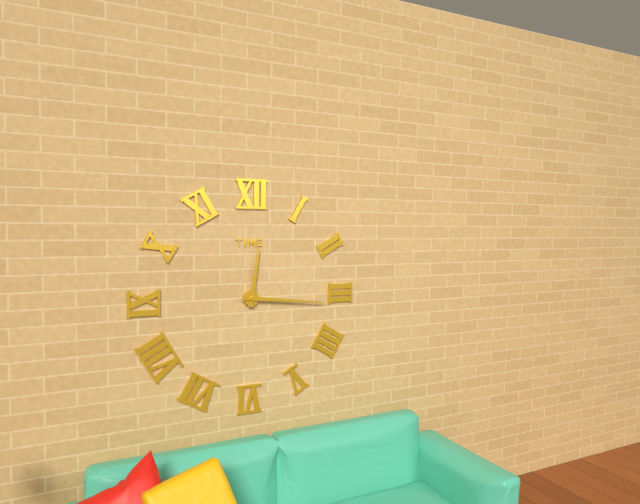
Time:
12.16
